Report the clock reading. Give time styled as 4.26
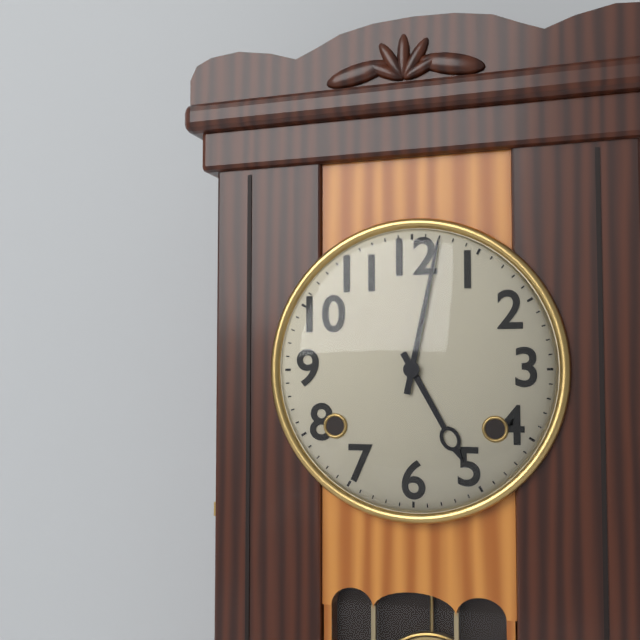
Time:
5.02
